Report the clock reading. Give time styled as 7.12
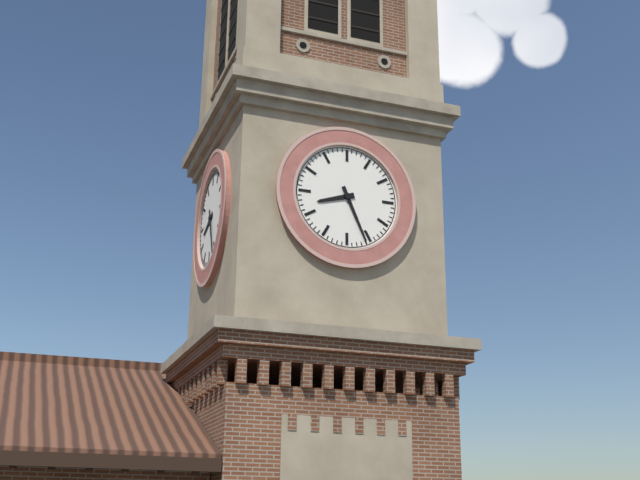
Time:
8.26
